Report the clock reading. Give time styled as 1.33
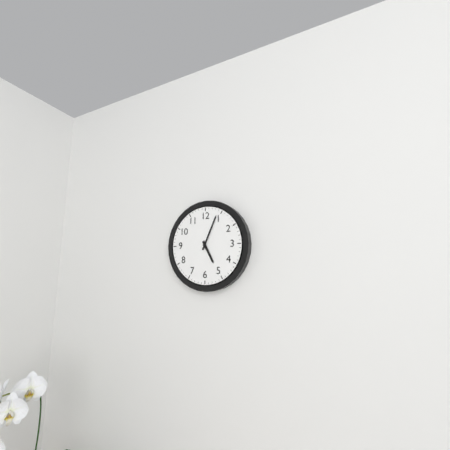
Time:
5.04
